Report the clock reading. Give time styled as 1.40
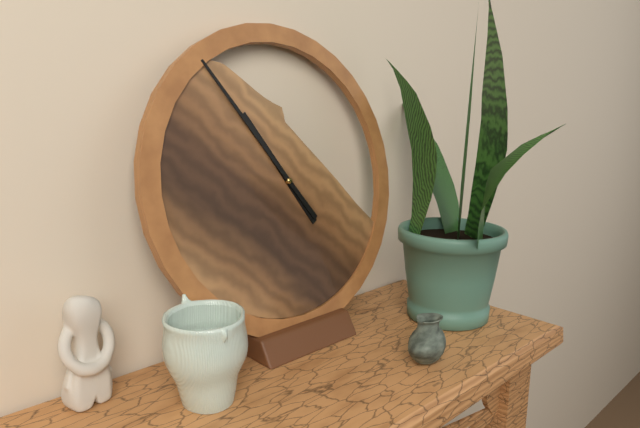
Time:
10.54
